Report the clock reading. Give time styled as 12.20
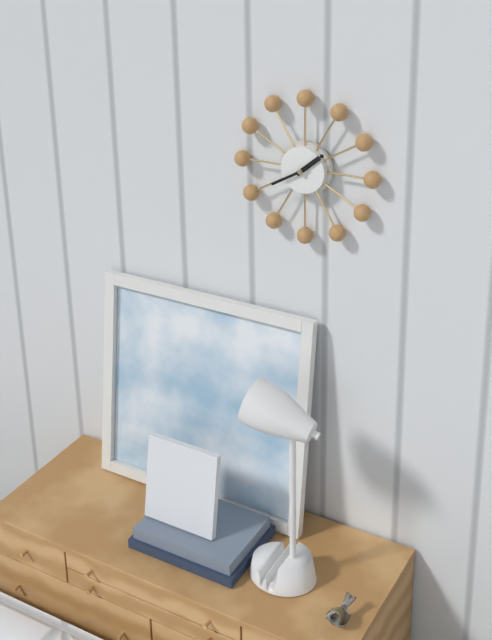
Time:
1.40
